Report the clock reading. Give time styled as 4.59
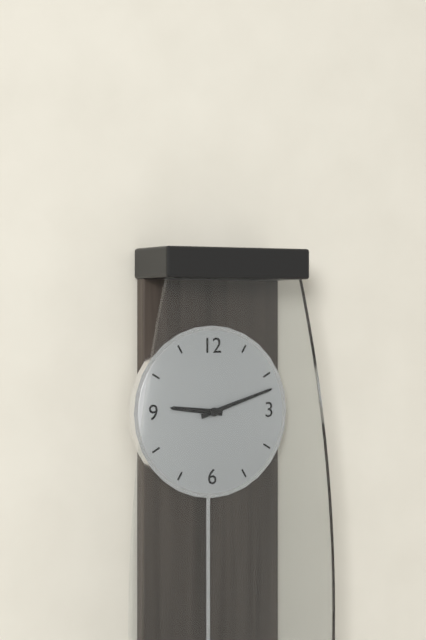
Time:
9.12
